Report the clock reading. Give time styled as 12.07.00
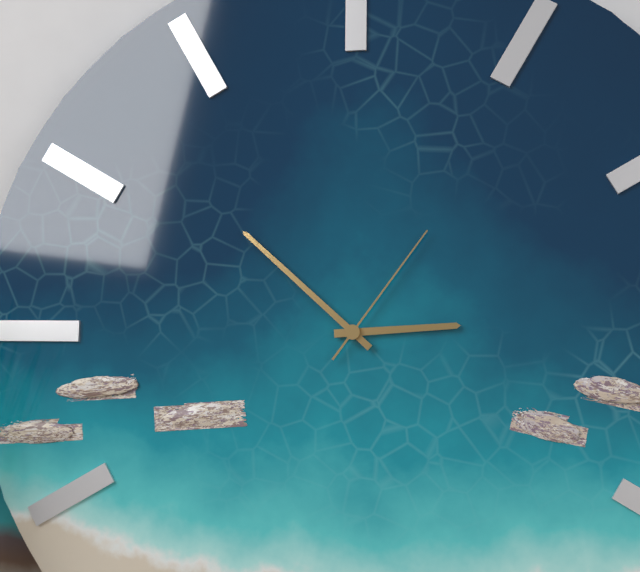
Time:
2.52.06
